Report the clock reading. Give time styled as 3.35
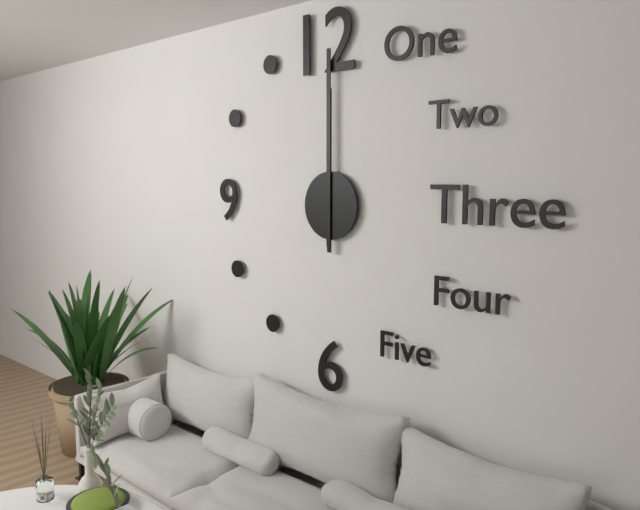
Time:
12.00
